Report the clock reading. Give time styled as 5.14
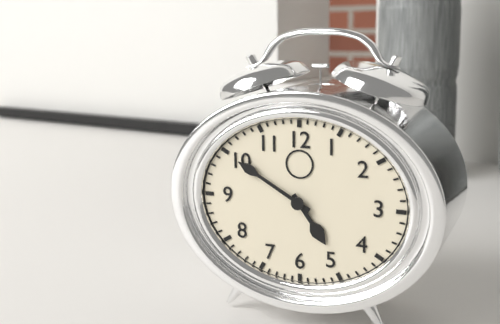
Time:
4.50
